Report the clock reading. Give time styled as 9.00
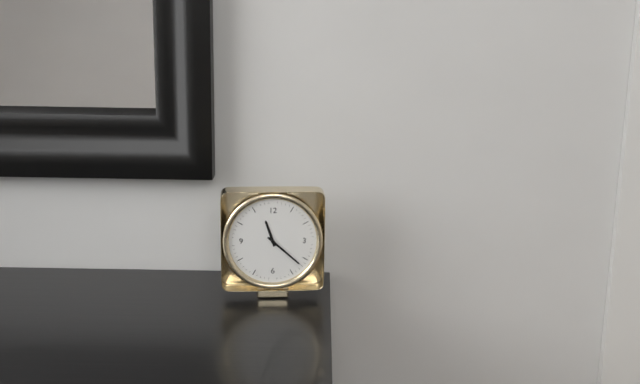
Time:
11.22
